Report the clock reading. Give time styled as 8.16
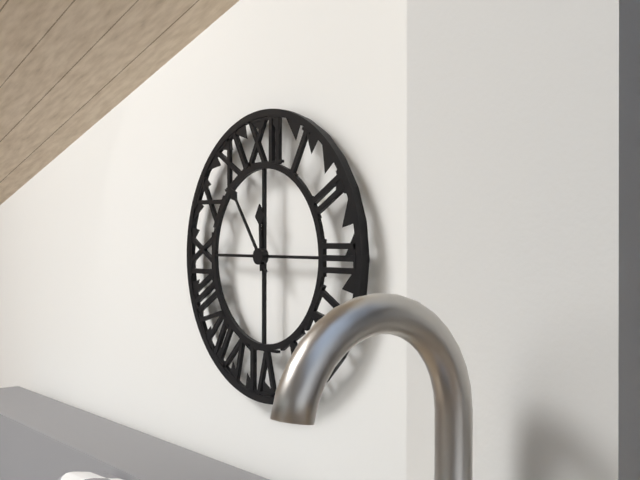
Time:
11.54
